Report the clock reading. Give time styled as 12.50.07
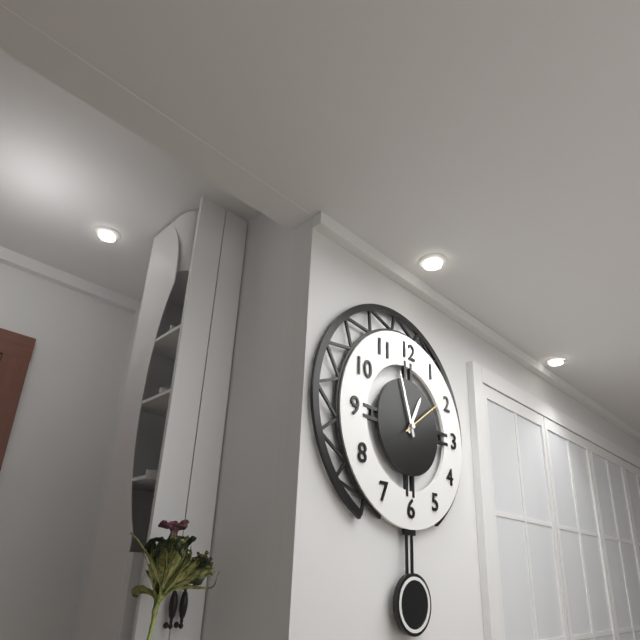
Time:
12.57.09
